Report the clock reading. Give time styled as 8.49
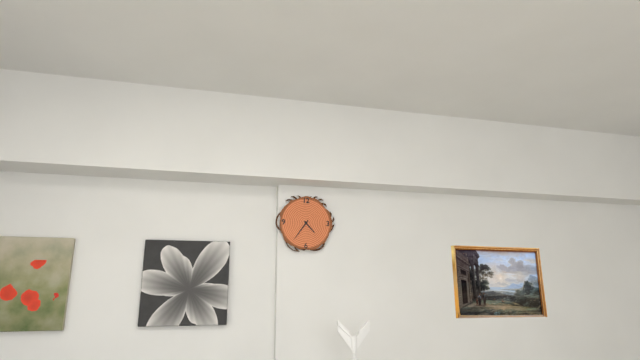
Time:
4.36
